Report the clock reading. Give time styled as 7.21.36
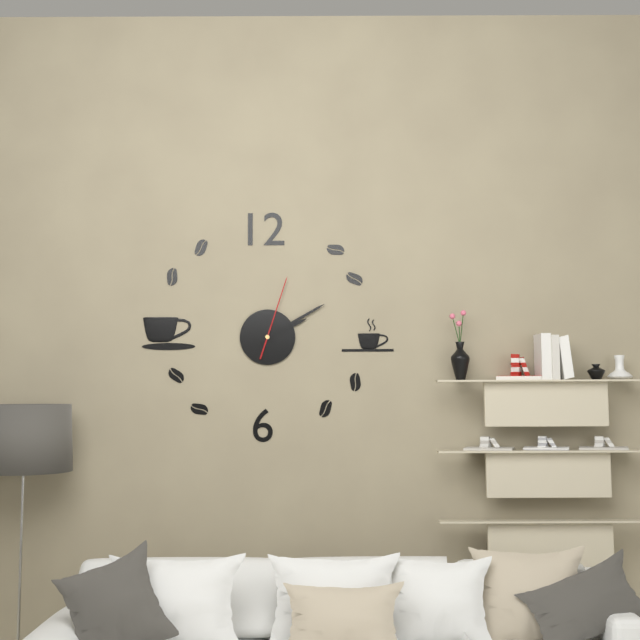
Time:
2.10.03
